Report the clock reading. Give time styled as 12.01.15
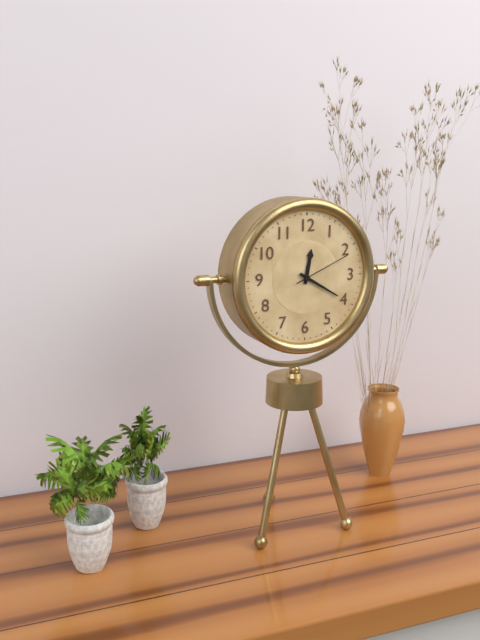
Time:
12.20.11
